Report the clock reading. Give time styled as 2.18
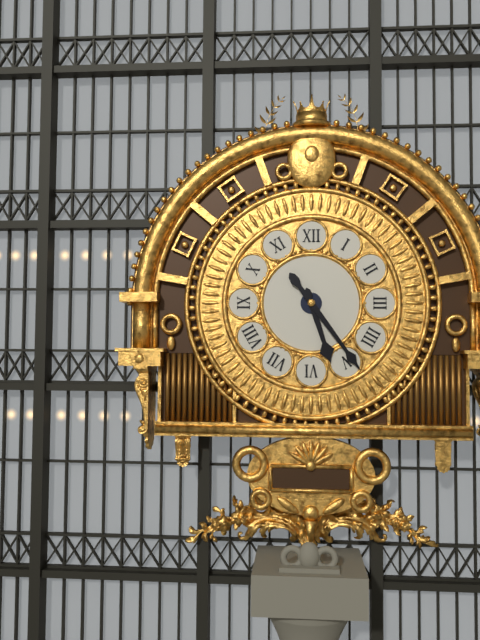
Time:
5.24
